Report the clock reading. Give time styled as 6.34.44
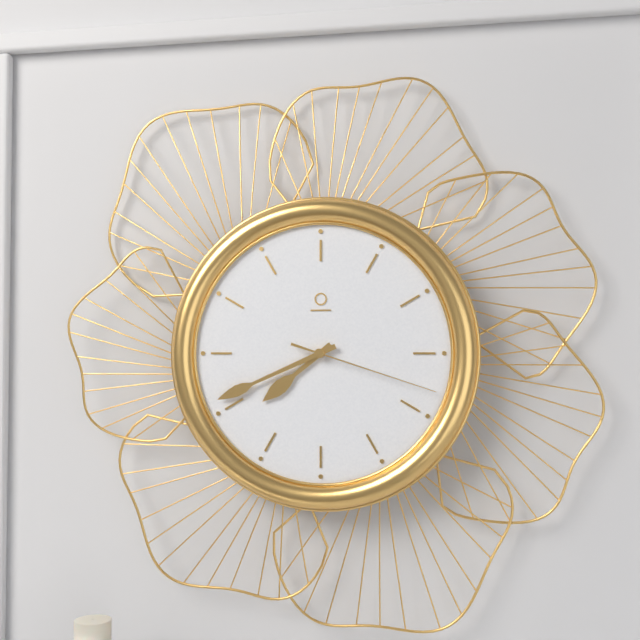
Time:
7.41.18
